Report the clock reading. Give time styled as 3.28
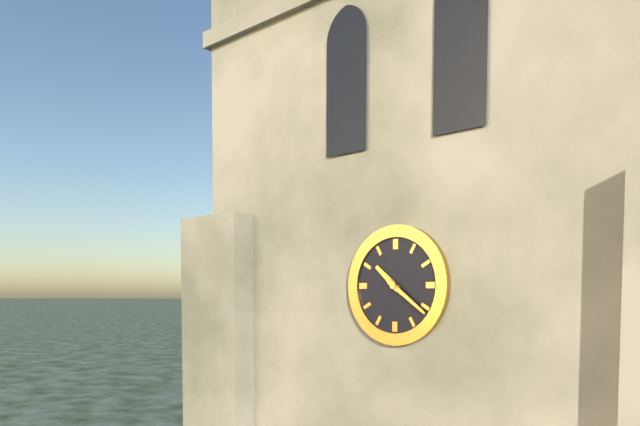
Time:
10.21
